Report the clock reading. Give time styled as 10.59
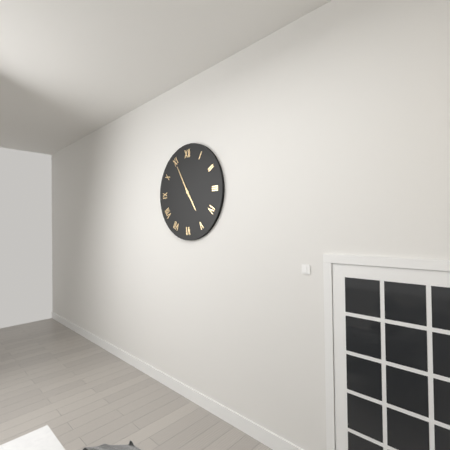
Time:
4.55
